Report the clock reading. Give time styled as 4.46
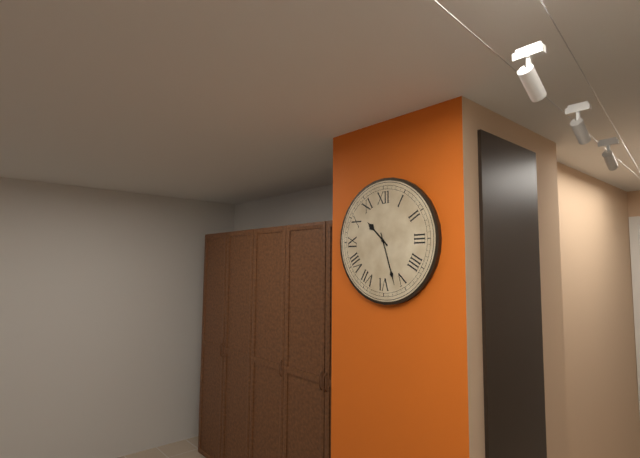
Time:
10.27
